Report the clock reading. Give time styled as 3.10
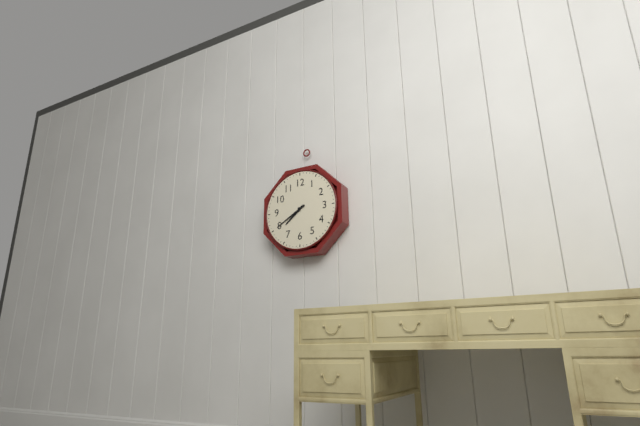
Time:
7.40
